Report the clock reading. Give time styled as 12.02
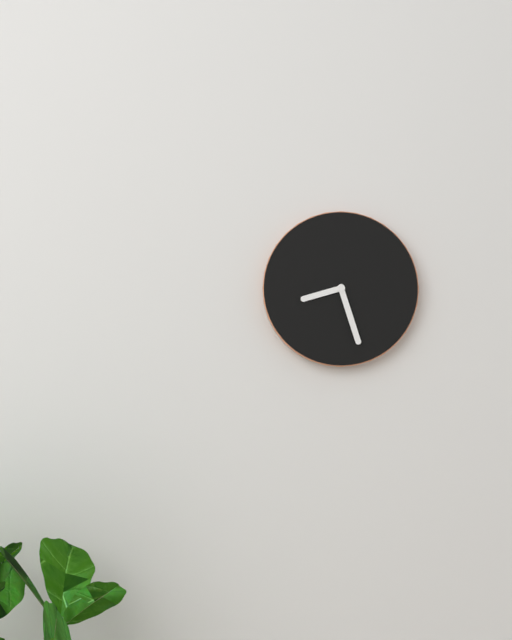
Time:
8.27
